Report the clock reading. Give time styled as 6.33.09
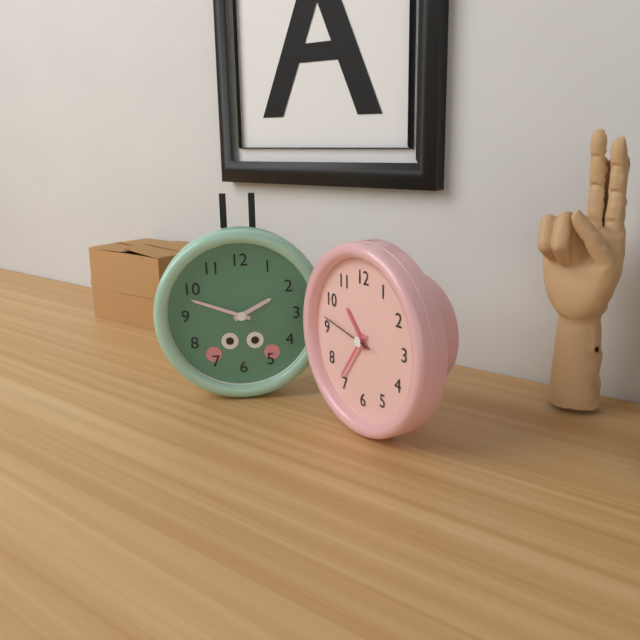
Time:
10.36.47
